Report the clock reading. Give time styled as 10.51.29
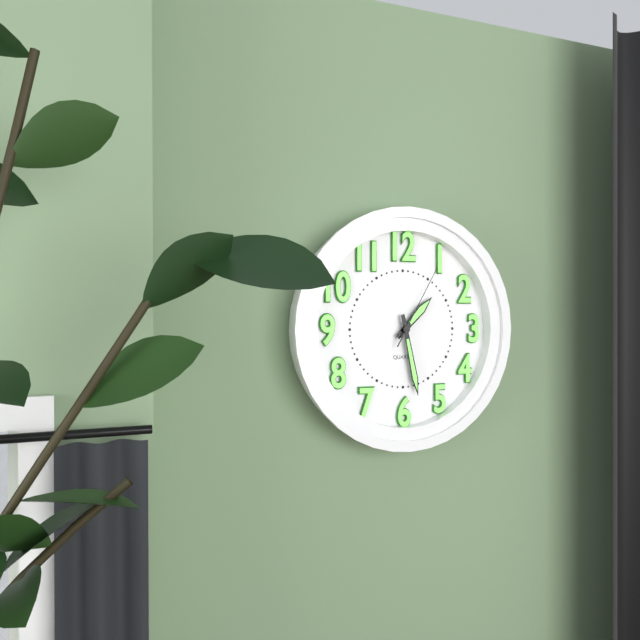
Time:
1.28.05
